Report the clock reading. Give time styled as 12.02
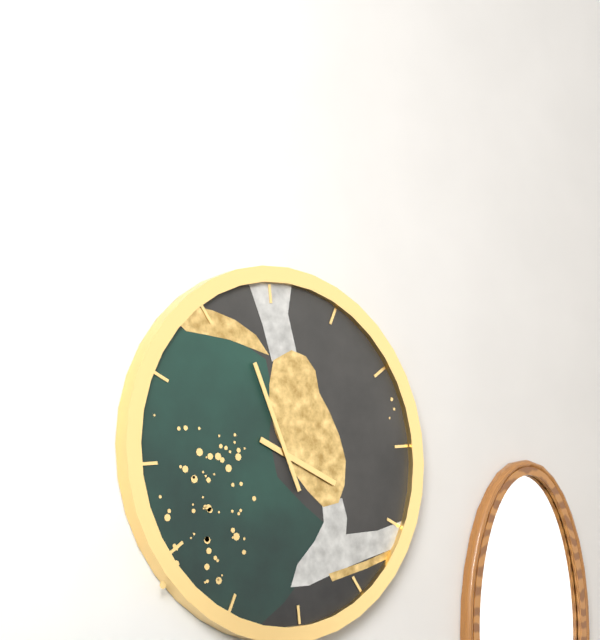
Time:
3.57
